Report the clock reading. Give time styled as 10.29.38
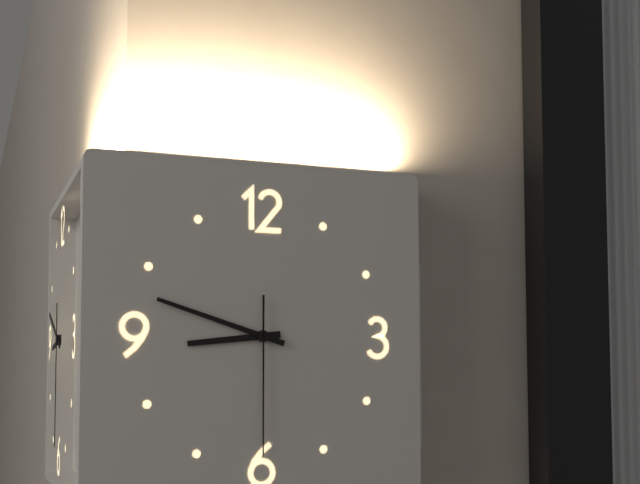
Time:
8.48.30
